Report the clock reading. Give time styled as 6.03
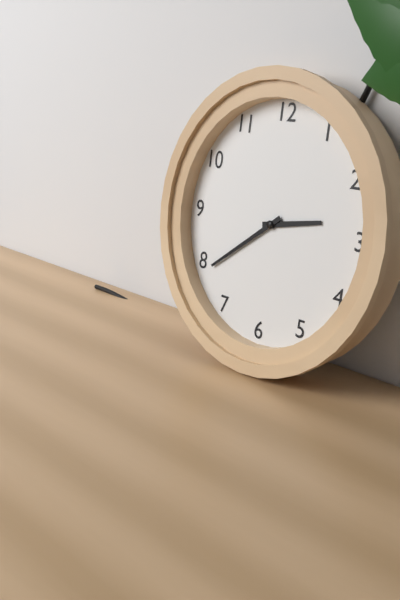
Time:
2.39
